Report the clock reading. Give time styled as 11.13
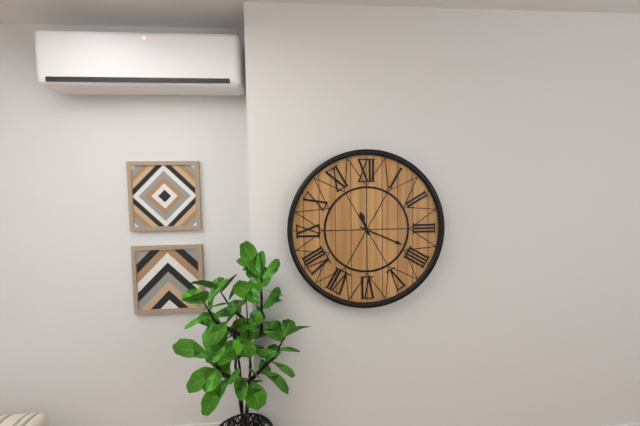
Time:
11.19
